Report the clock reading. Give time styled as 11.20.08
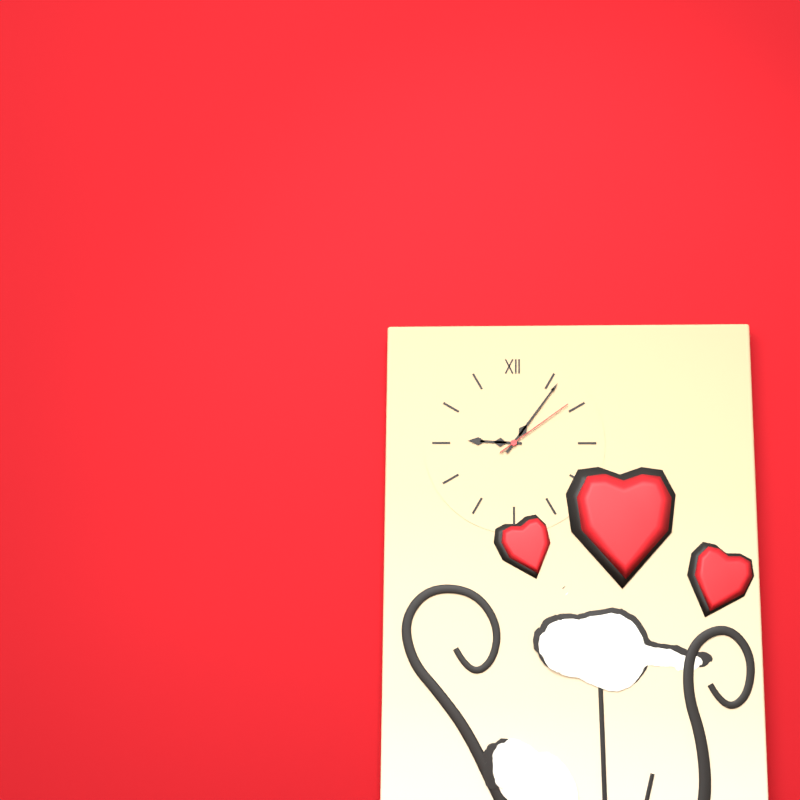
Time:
9.06.09
